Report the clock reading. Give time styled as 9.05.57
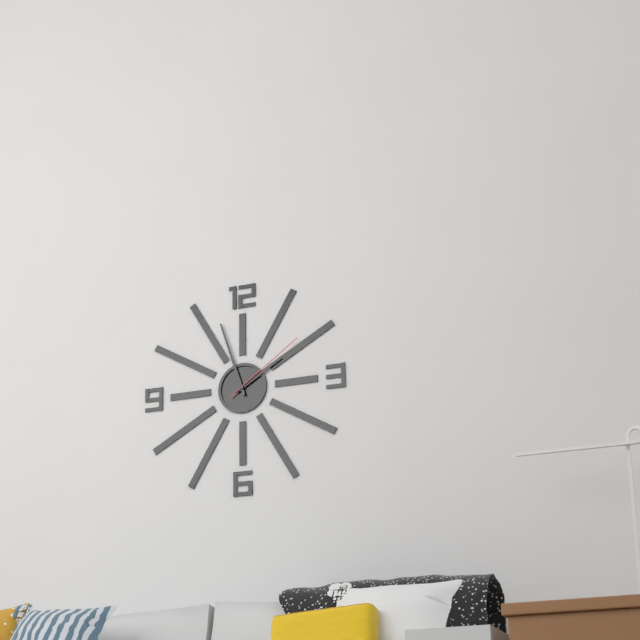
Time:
1.57.09
